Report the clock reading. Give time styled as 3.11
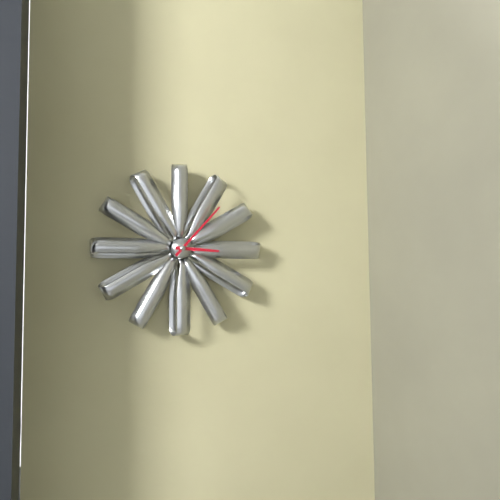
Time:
3.07
